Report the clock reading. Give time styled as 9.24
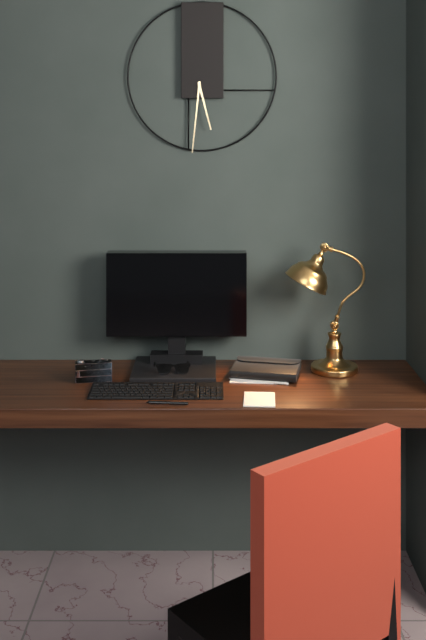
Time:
5.31
